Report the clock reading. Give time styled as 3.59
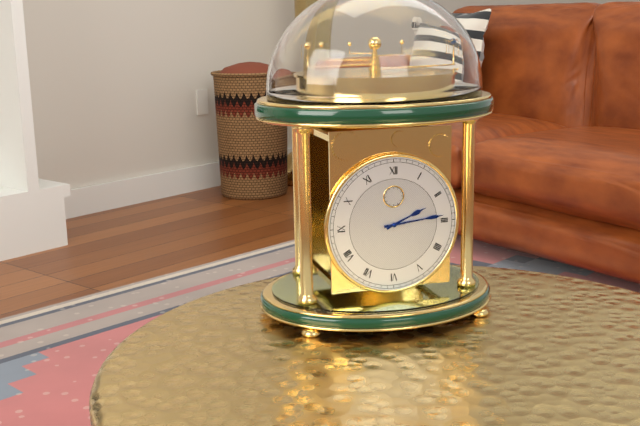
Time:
2.14
